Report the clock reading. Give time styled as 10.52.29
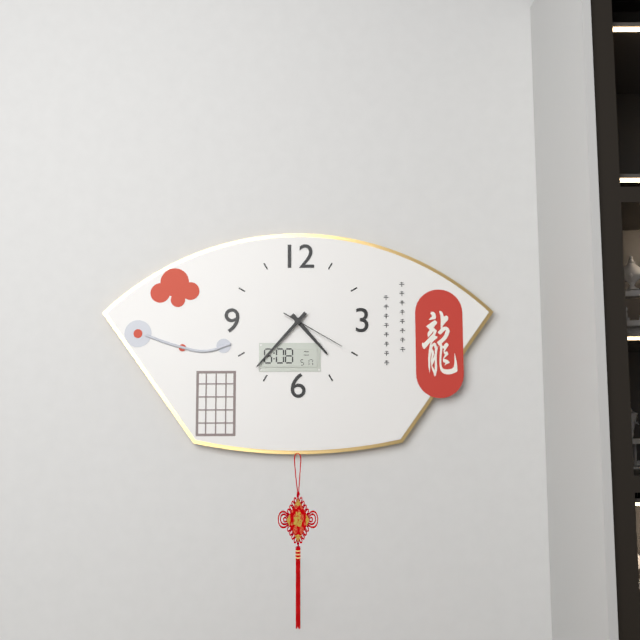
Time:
4.37.20
